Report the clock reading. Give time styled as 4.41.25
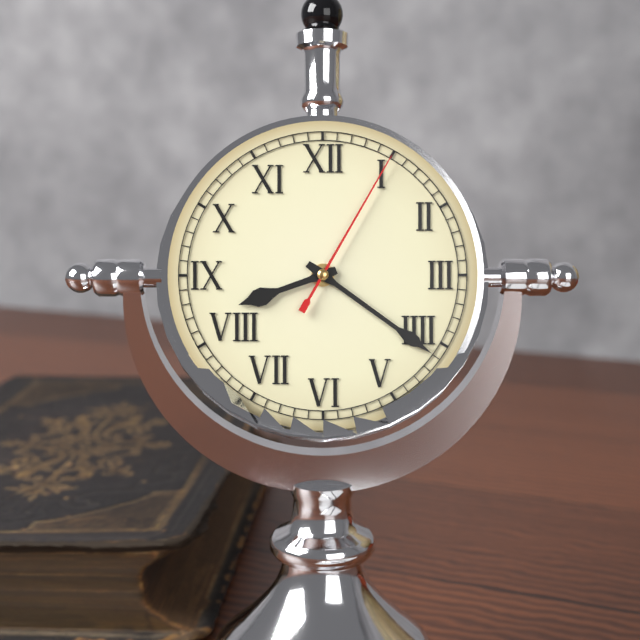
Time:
8.21.05
